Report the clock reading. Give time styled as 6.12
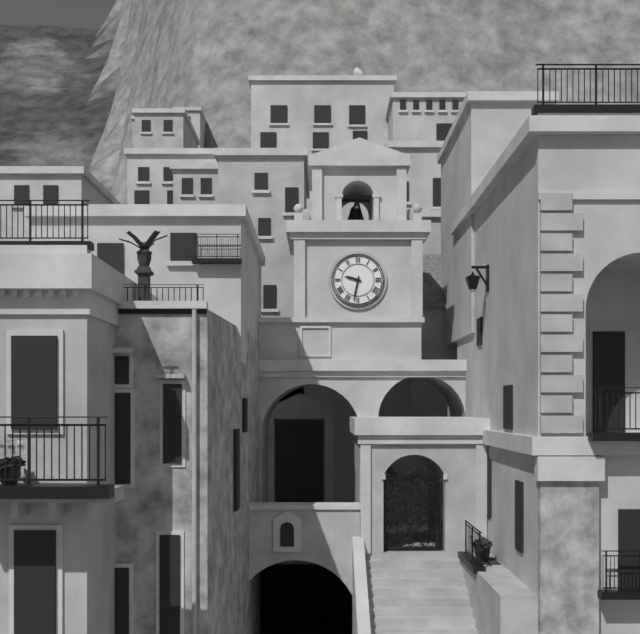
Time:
9.32
